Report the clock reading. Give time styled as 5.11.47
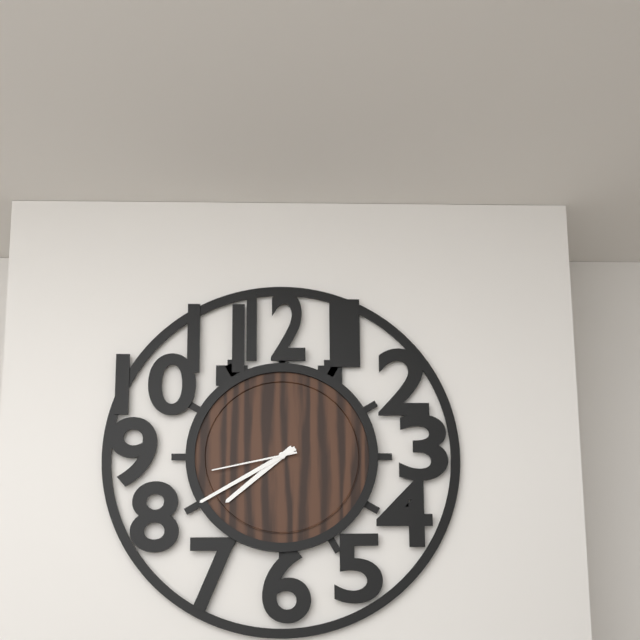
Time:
7.40.43
